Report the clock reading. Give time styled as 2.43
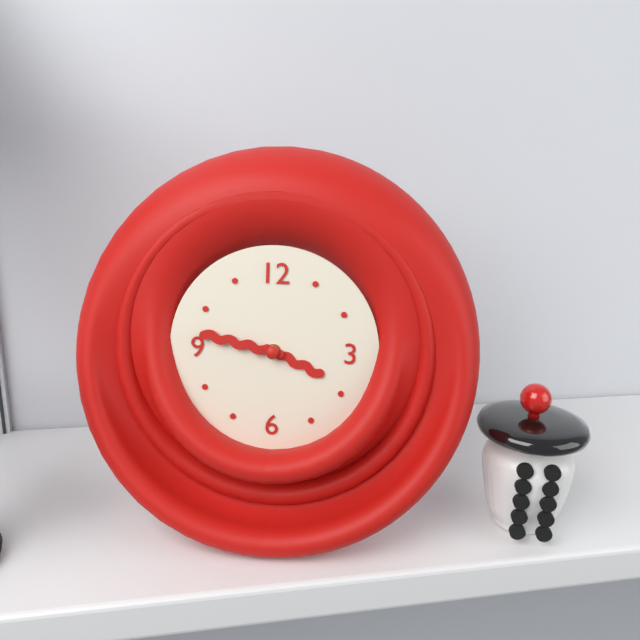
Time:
3.47
